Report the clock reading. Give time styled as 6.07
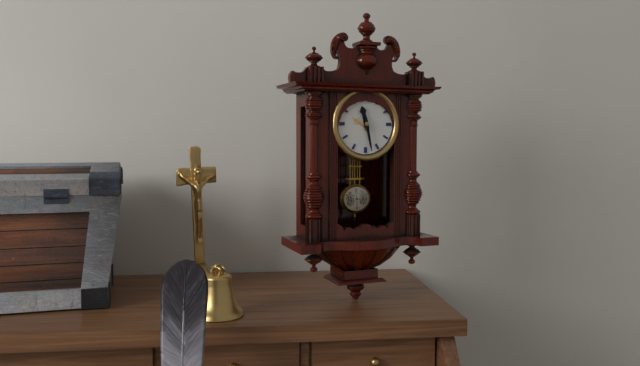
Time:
11.28
